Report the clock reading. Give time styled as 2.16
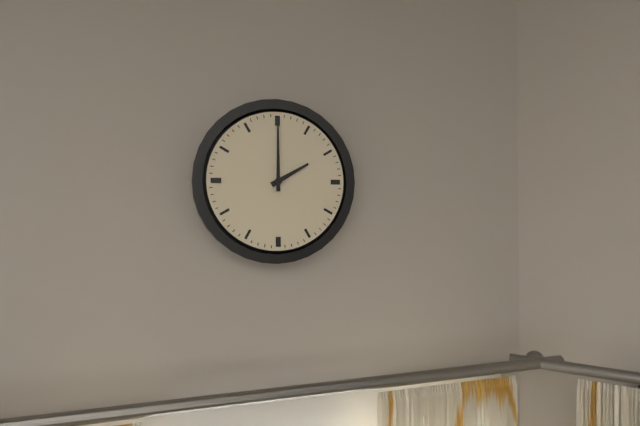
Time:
2.00
